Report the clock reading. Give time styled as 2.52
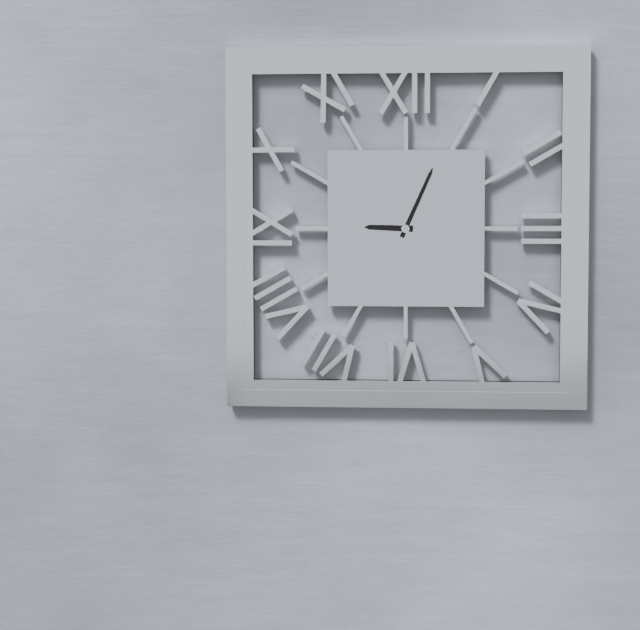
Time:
9.04
